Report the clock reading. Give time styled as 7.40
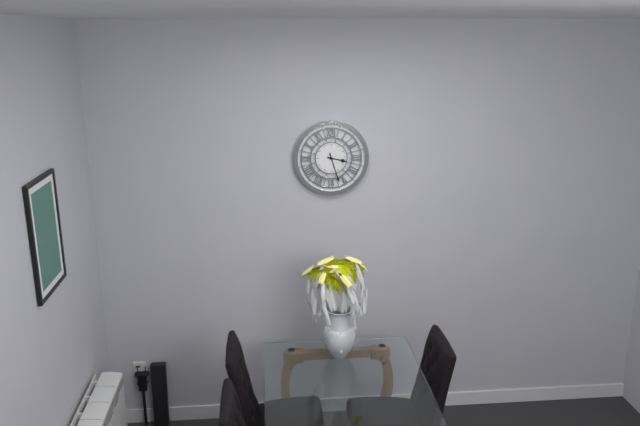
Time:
3.27
